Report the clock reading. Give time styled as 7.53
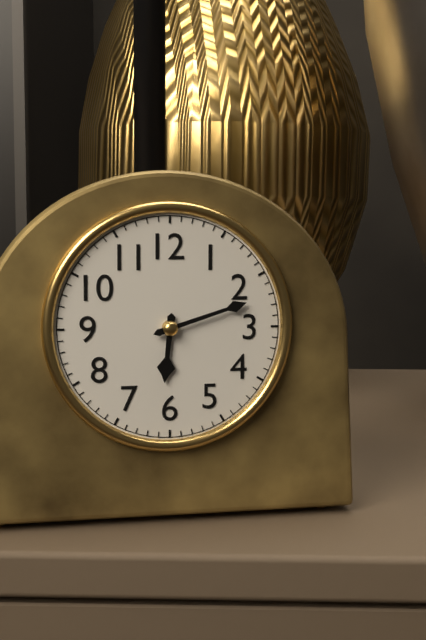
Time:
6.12
